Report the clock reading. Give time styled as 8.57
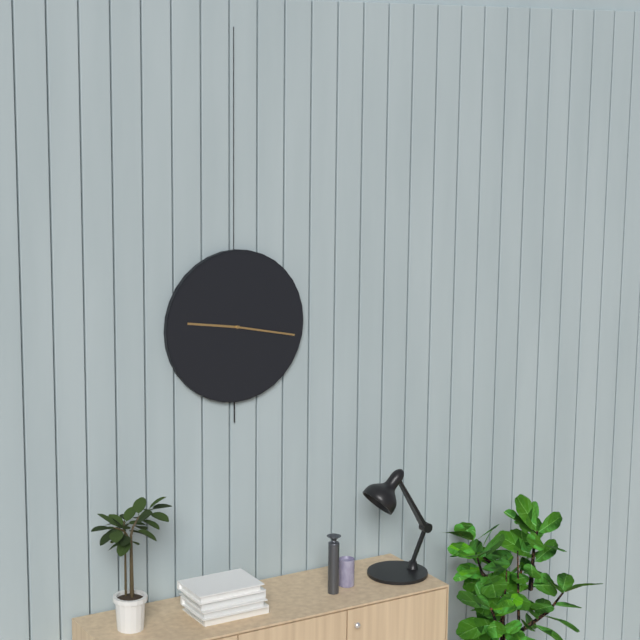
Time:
9.17
